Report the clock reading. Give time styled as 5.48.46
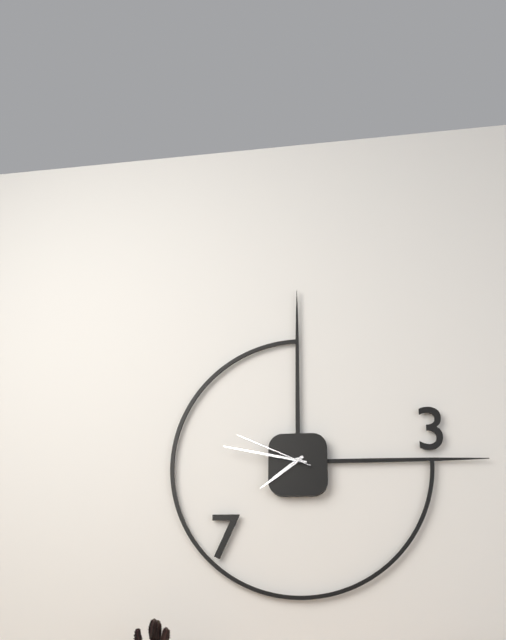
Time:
7.47.49
